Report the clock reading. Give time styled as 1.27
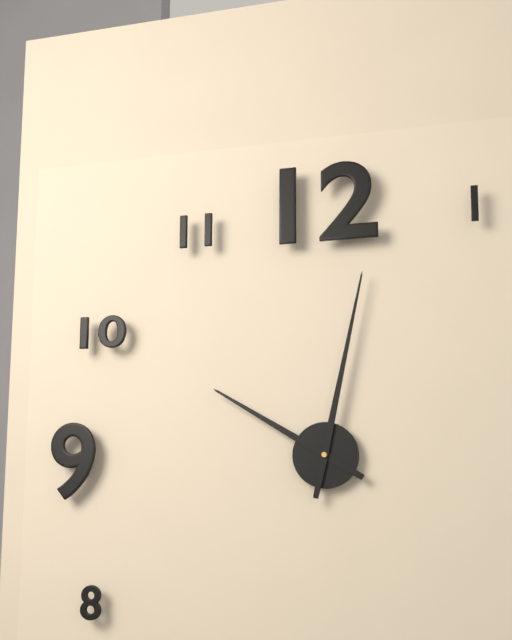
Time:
10.02
